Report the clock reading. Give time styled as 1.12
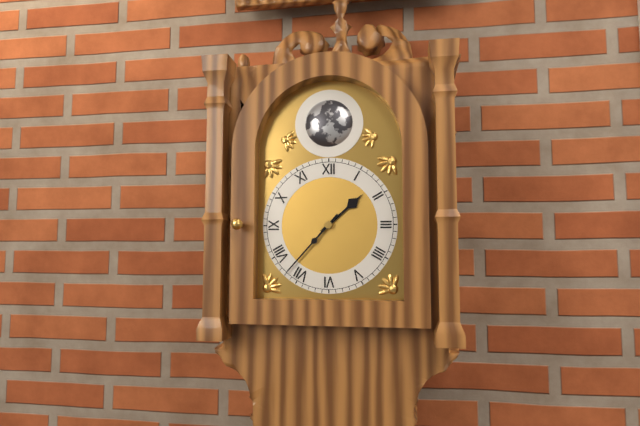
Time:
1.37
